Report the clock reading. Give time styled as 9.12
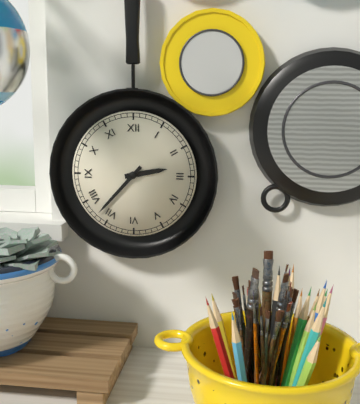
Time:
2.37
